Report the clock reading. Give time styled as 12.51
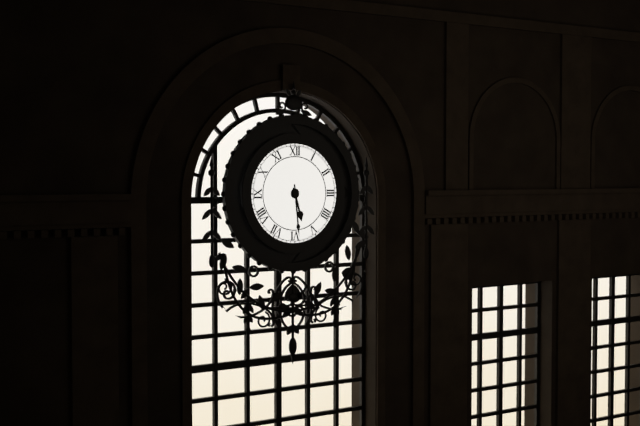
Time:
5.29
